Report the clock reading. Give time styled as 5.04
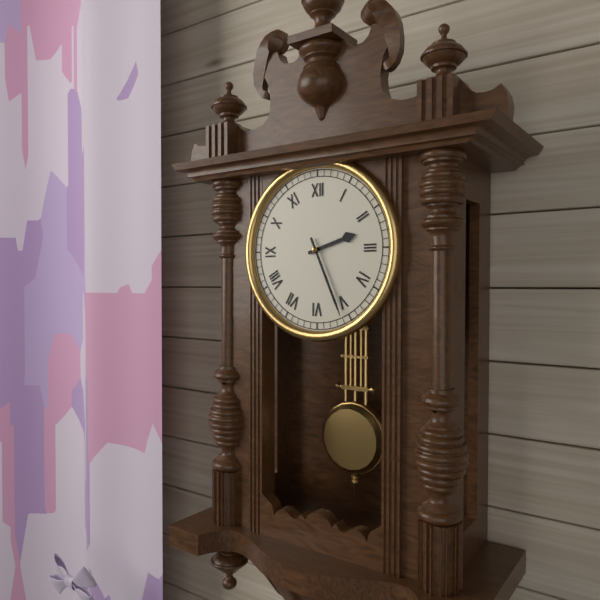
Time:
2.26
